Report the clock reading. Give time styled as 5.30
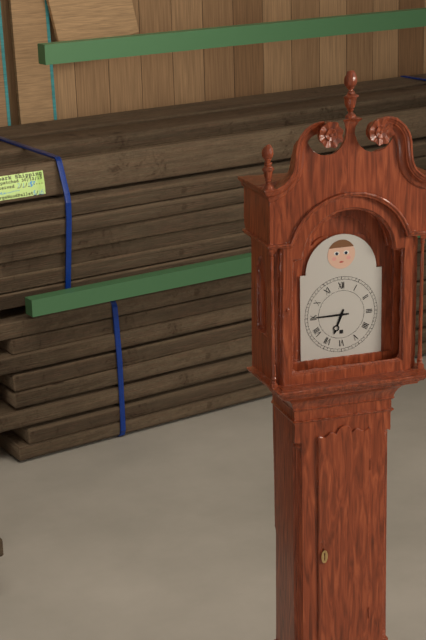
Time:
6.45
